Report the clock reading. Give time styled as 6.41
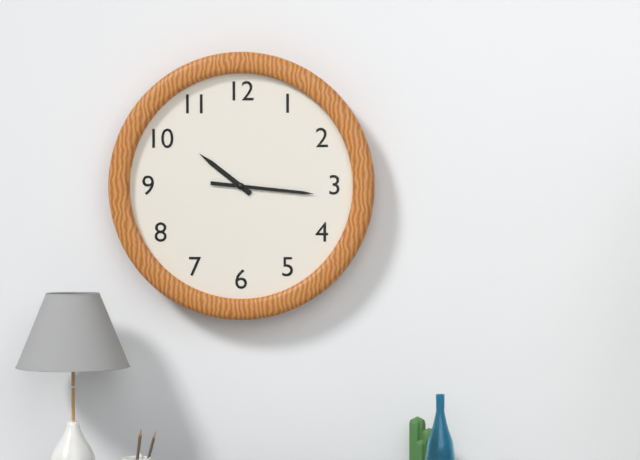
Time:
10.16
